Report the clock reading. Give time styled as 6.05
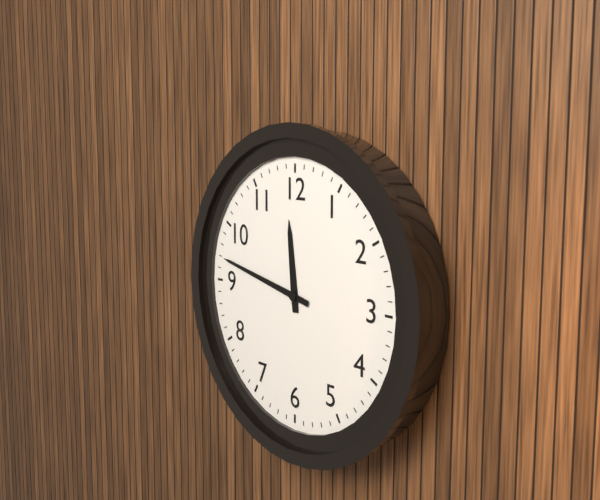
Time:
11.47
